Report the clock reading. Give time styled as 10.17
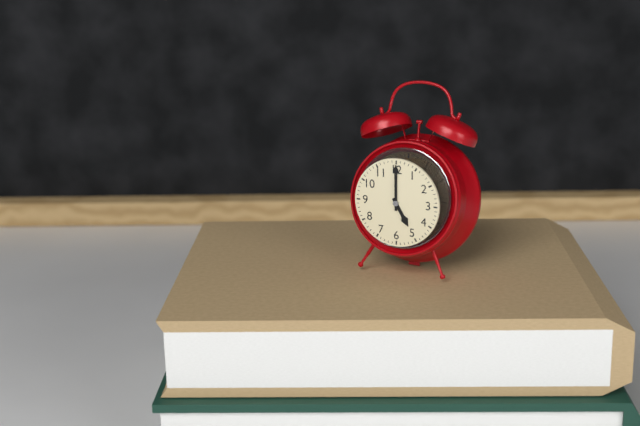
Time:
5.00
